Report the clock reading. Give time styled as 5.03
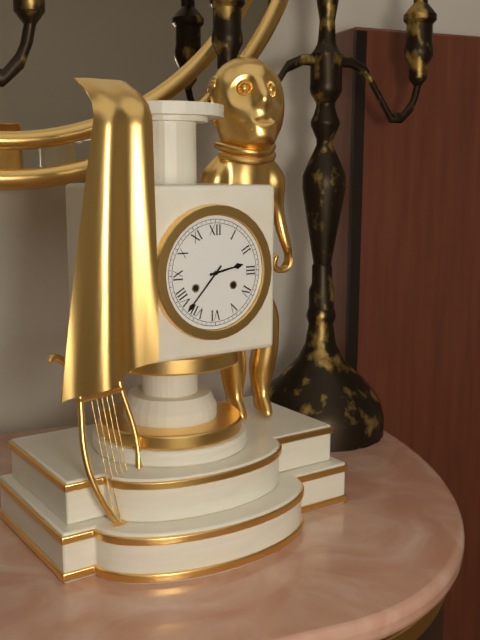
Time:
2.37
